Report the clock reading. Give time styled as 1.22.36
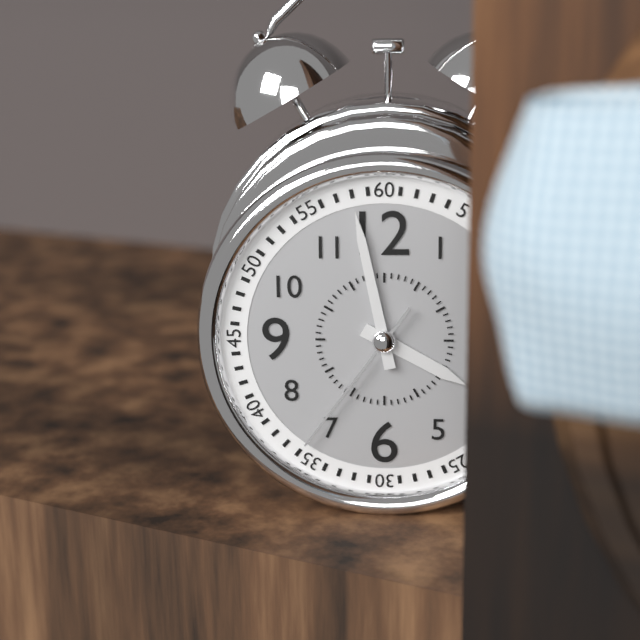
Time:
3.58.36
